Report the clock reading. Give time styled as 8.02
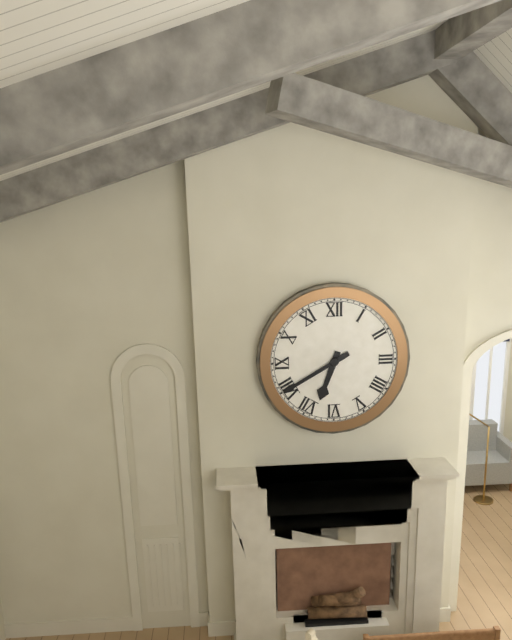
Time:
6.40
